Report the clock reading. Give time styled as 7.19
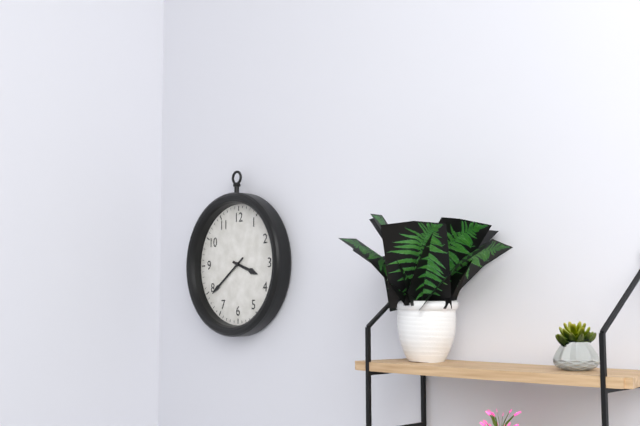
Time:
3.39
